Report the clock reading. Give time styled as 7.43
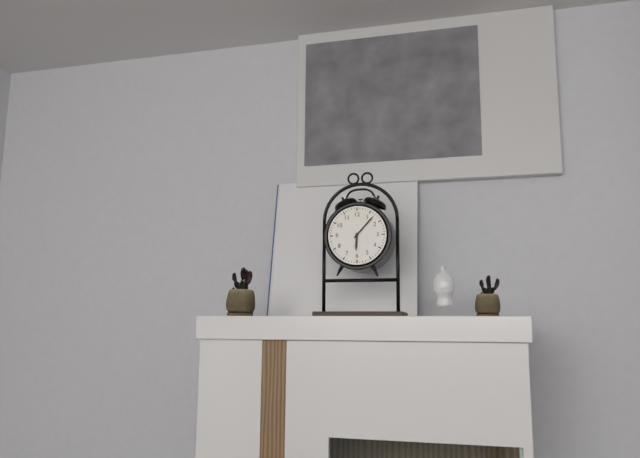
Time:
6.07
